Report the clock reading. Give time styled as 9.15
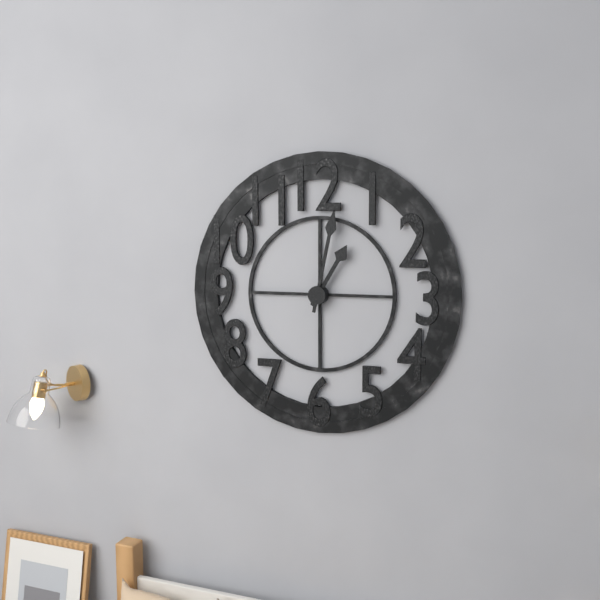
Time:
1.02
